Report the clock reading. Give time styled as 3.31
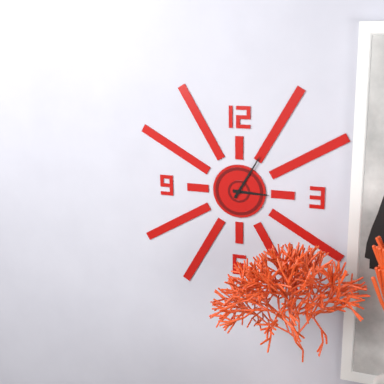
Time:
3.05
